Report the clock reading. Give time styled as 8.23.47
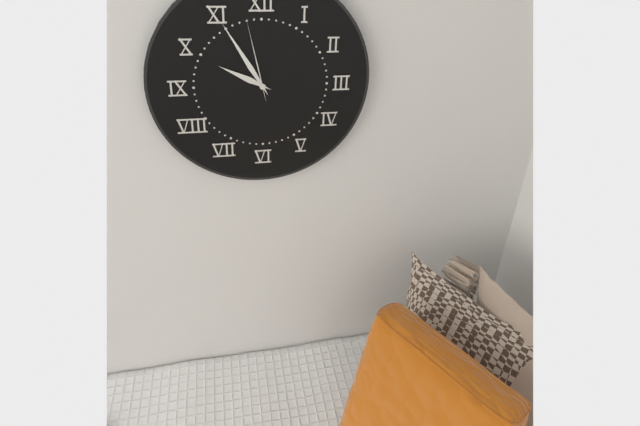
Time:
9.55.58
